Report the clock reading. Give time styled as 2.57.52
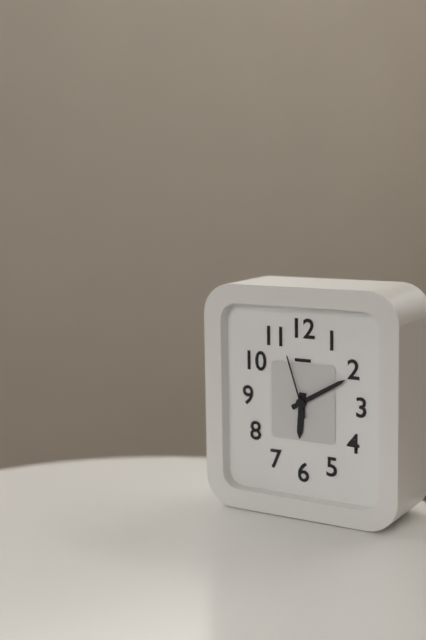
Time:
6.10.57
